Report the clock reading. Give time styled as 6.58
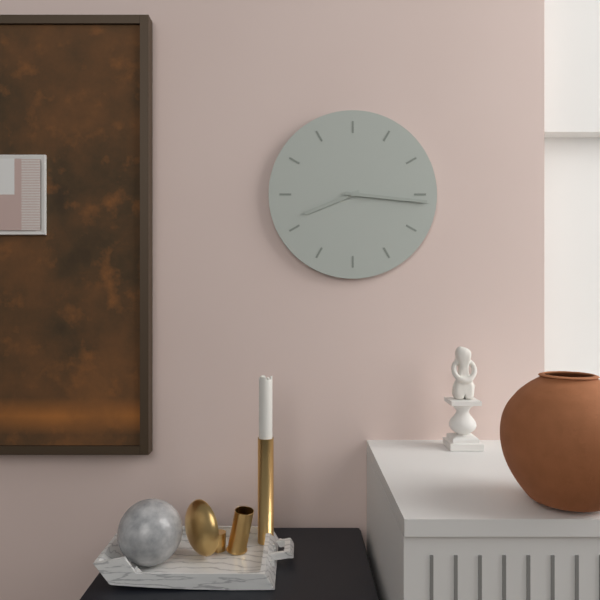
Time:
8.16
